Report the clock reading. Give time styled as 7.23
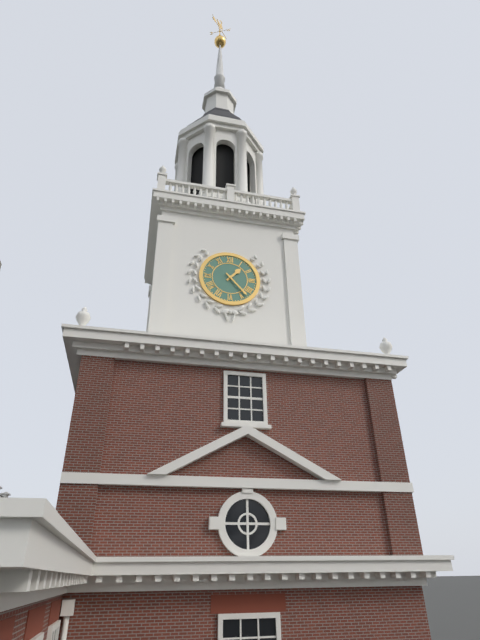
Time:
1.23
